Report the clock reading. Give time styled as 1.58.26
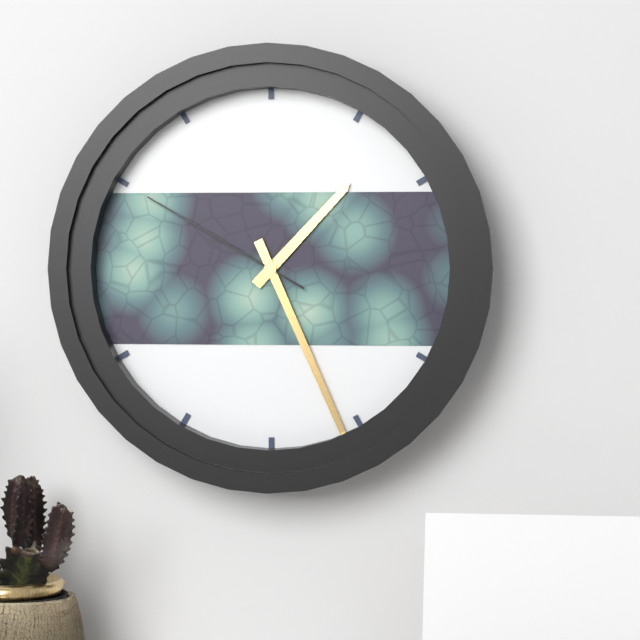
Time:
1.26.50
